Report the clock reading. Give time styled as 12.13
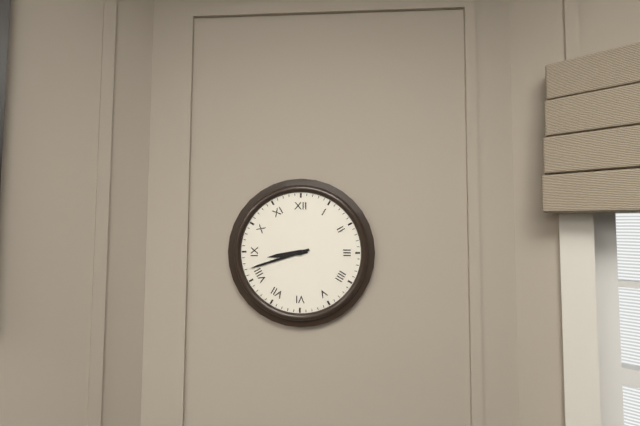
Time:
8.42
